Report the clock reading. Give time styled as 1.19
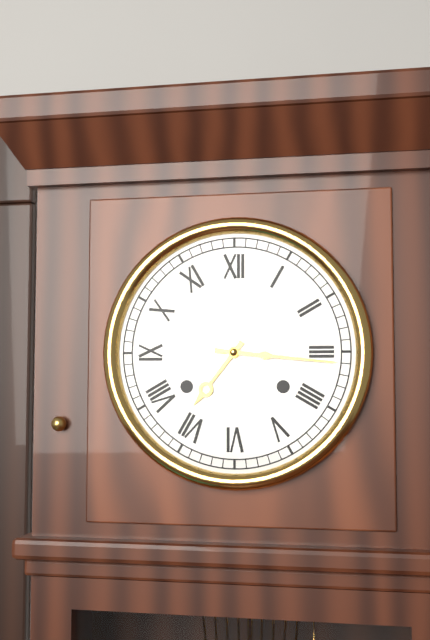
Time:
7.16
